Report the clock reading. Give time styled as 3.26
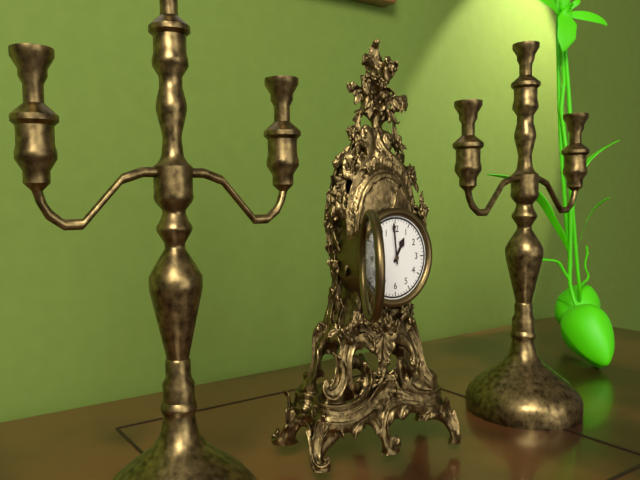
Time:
12.59
